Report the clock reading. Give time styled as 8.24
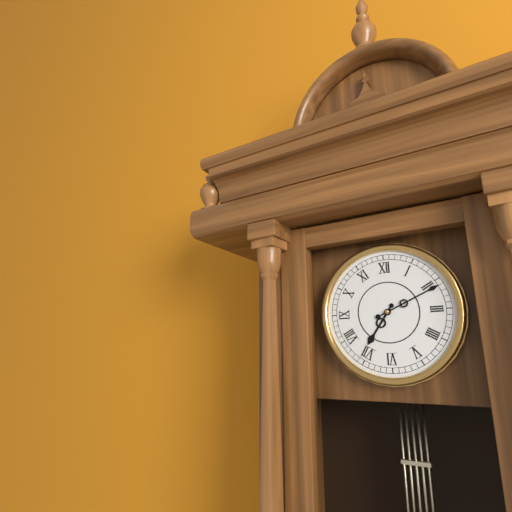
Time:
7.11
